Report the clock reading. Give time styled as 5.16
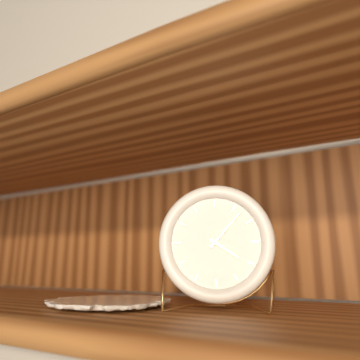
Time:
4.07
